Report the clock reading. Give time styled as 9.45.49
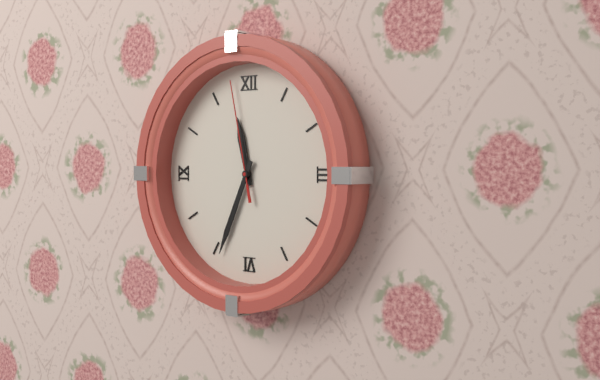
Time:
11.34.58
